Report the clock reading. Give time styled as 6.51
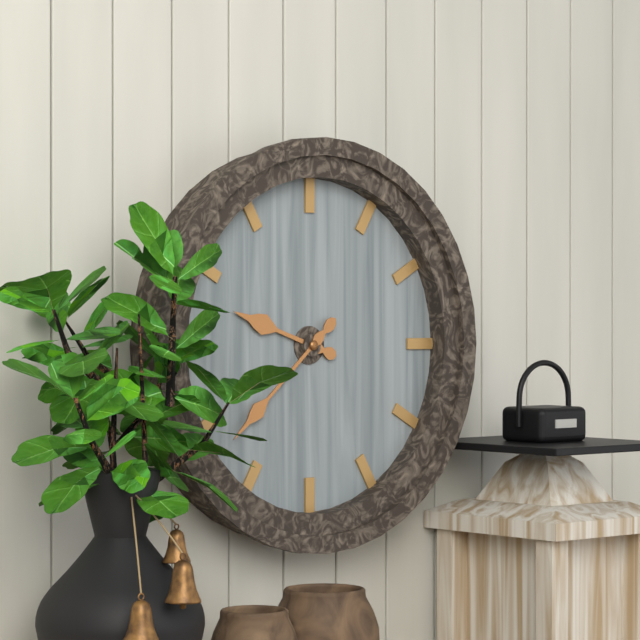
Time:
9.38
